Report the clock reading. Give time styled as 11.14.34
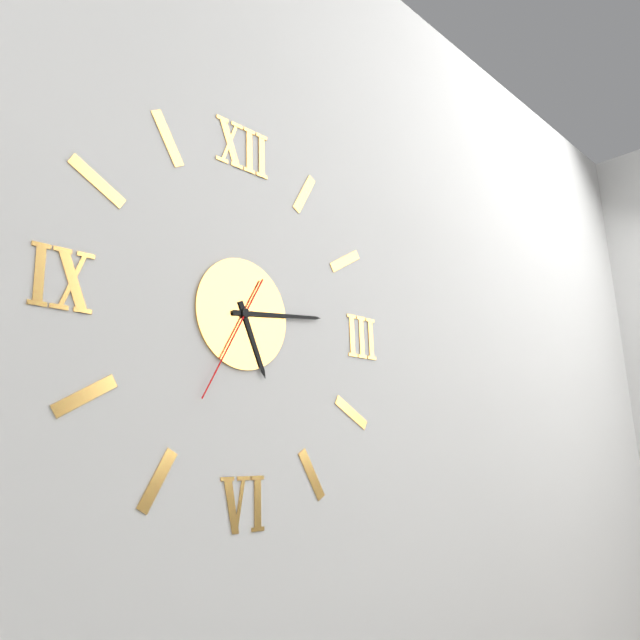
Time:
5.14.35
